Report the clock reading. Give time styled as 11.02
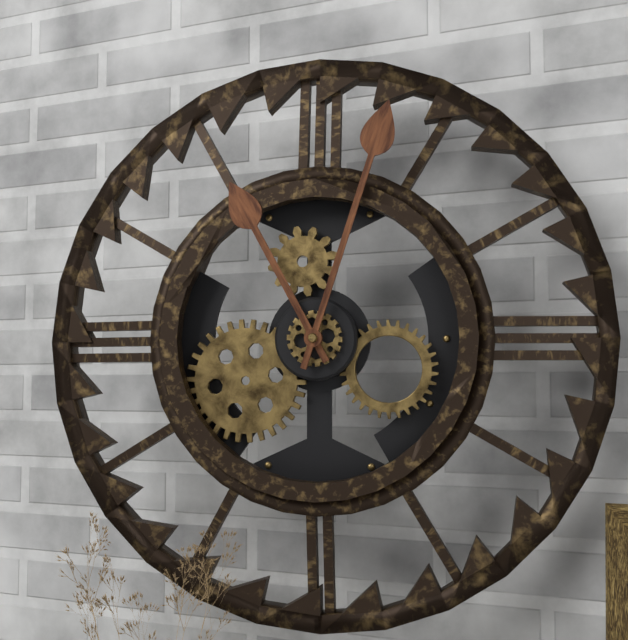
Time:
11.03
